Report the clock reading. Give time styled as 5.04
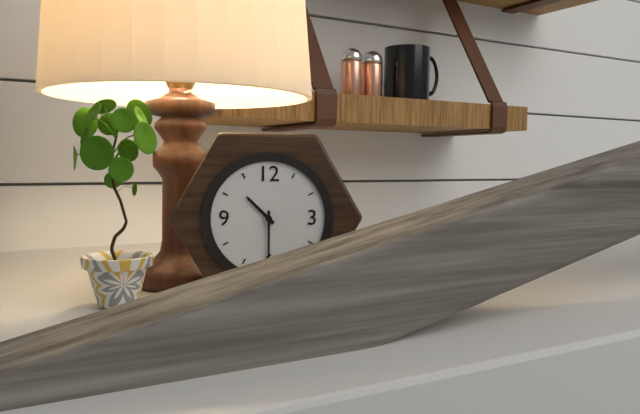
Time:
10.30
